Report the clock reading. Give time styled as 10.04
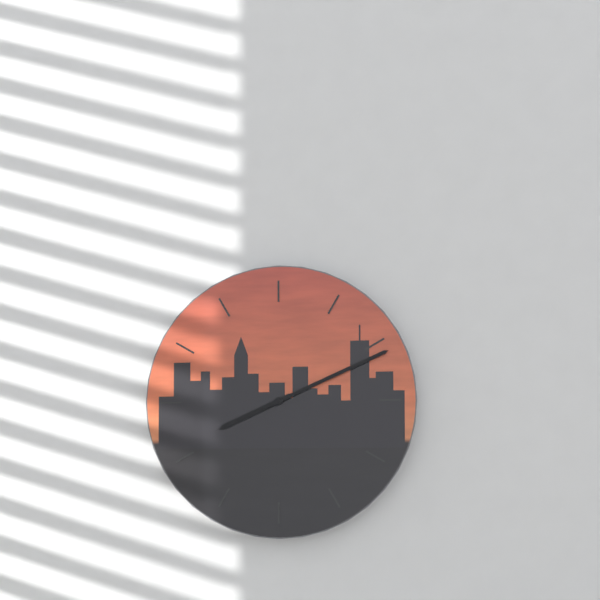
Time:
8.11
